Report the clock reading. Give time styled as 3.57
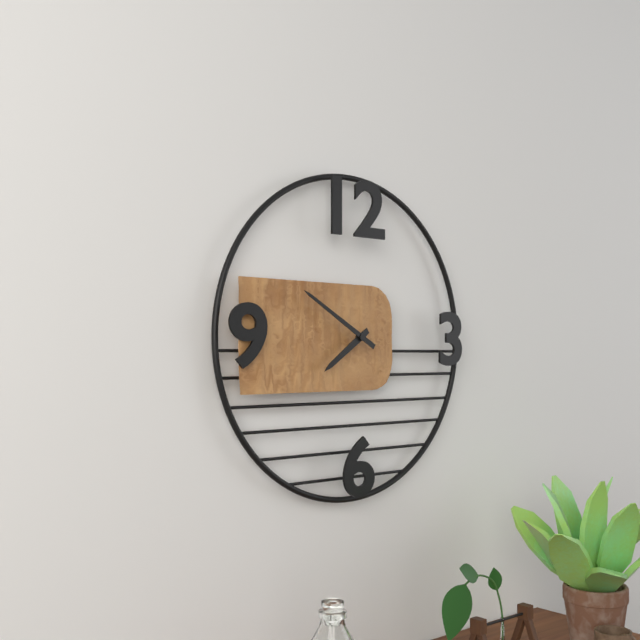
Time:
7.50
